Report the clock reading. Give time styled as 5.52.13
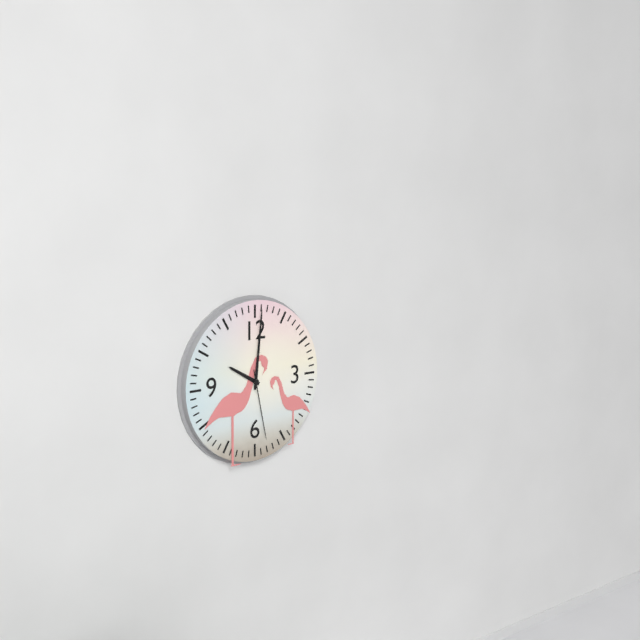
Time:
10.01.28
